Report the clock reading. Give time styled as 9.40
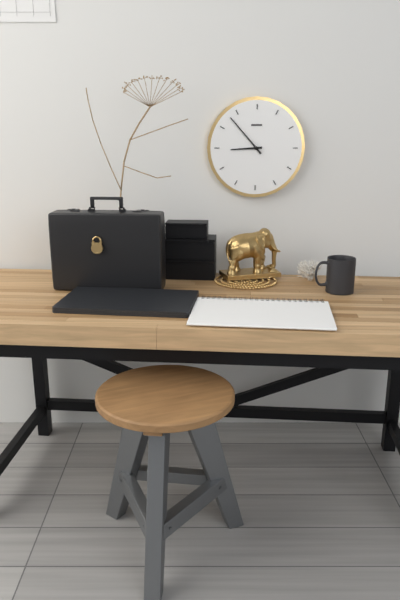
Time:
8.53
